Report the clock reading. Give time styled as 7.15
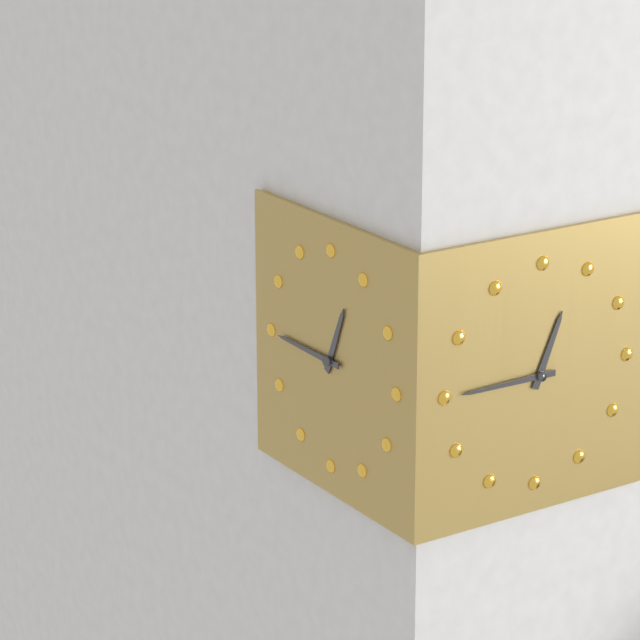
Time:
12.45
